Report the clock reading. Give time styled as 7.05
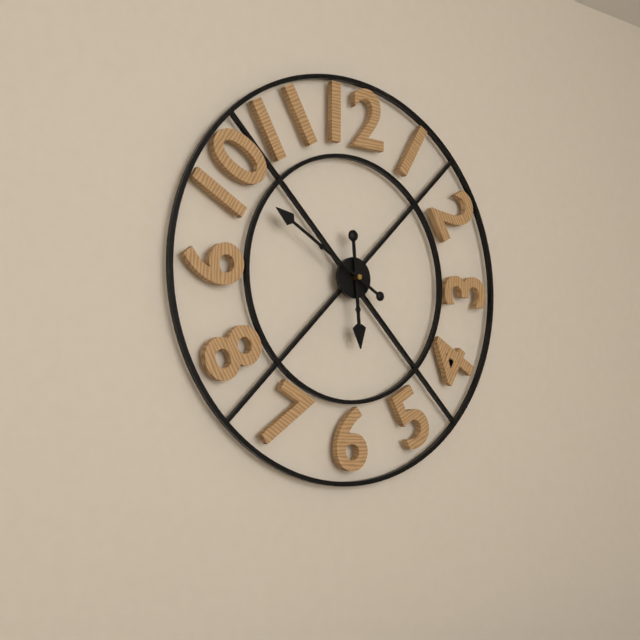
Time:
5.50
